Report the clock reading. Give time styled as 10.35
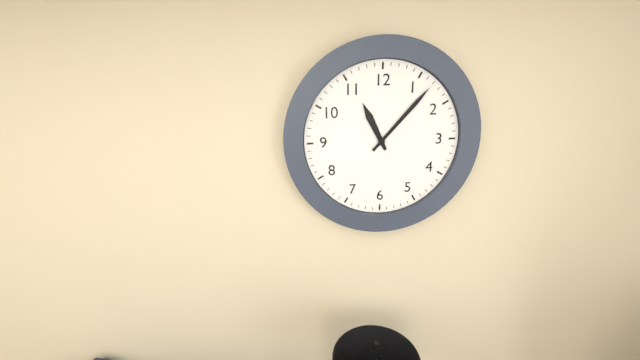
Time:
11.07
